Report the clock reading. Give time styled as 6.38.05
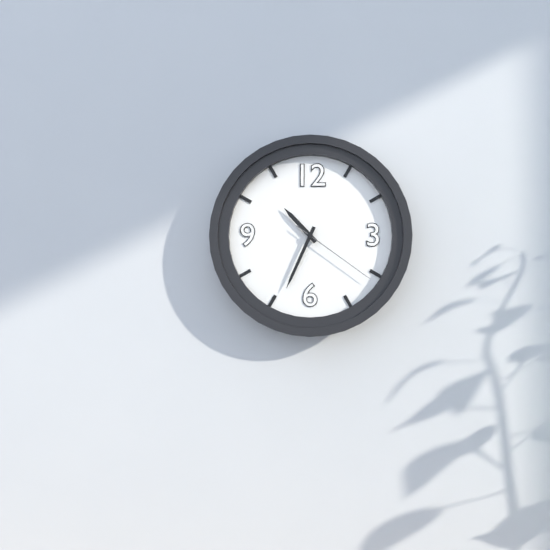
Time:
10.34.21
